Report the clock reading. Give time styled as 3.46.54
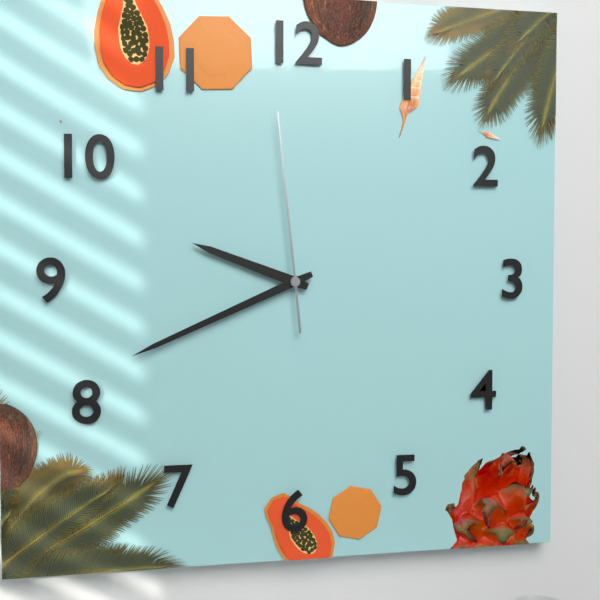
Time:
9.41.59
